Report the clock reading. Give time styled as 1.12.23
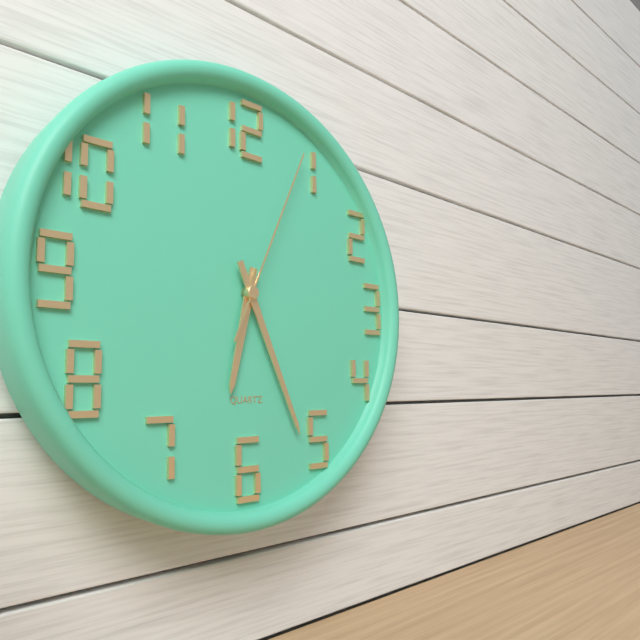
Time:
6.26.04
